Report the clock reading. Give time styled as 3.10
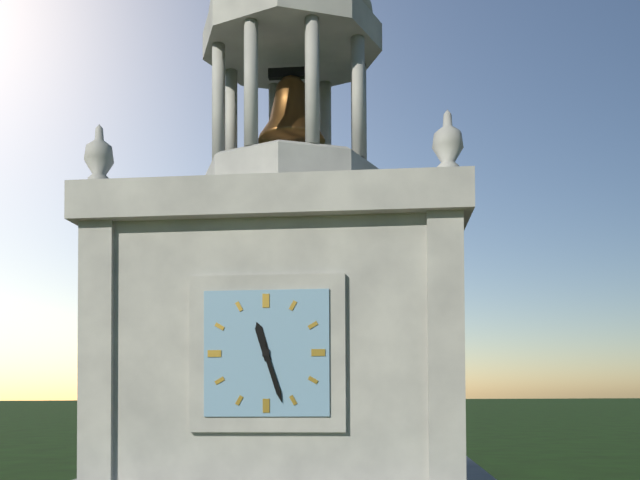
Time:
11.27
